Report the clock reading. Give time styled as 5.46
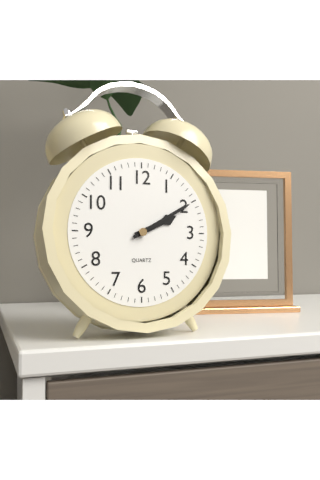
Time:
2.10
